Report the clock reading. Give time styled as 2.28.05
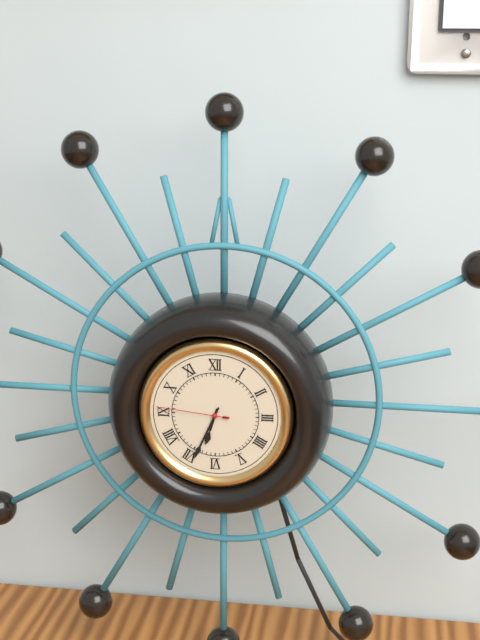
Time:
6.34.46
